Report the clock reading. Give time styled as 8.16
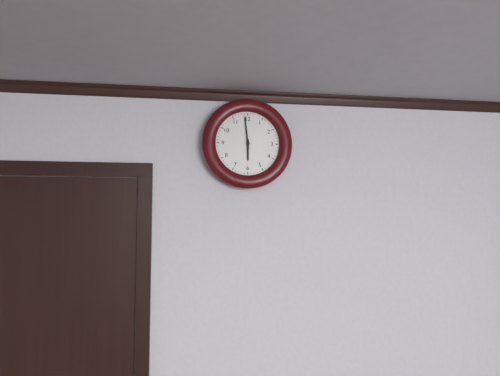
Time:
5.59
